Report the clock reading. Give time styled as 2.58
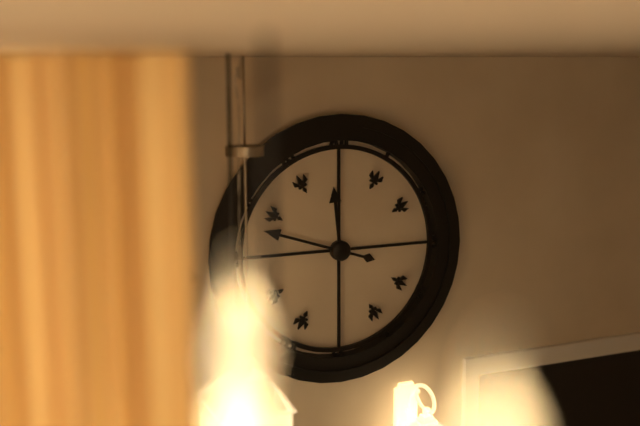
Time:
11.48
